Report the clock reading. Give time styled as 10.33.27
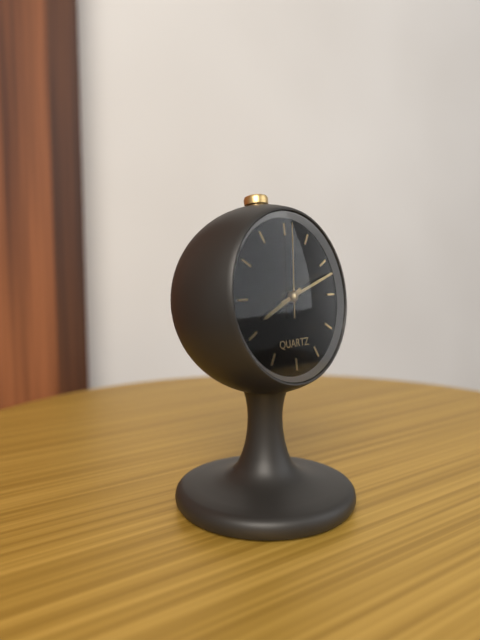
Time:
8.12.01
